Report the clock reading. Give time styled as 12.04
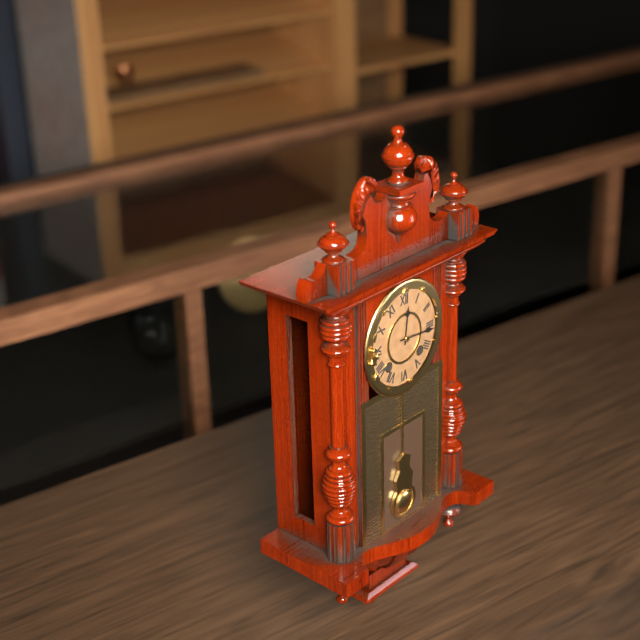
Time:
12.16
